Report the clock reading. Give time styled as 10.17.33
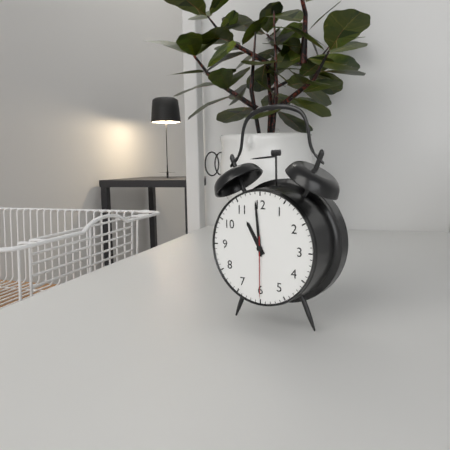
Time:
10.59.30
